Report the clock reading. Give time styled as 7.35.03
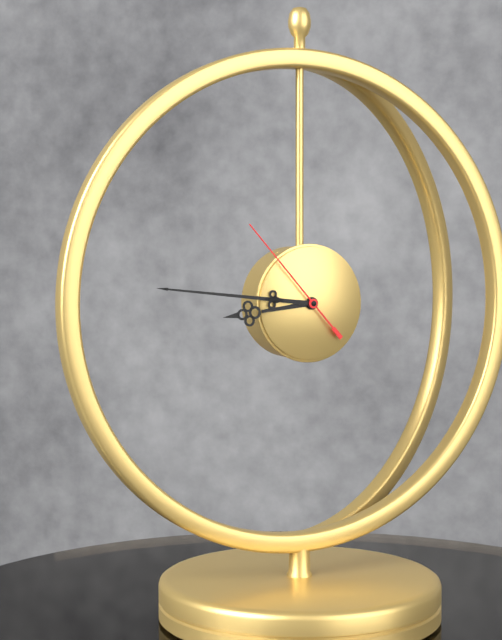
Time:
8.46.53
